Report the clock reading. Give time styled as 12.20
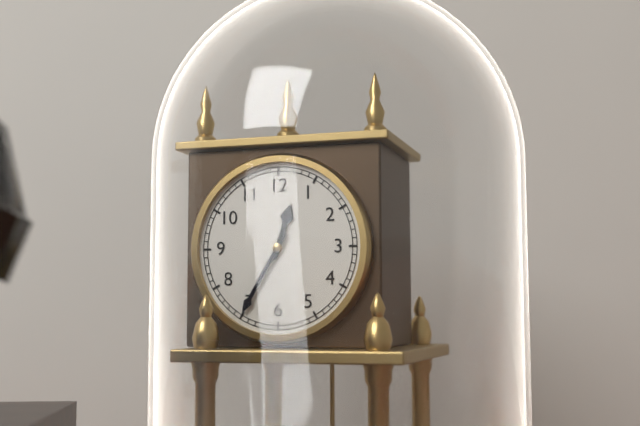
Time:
12.35
